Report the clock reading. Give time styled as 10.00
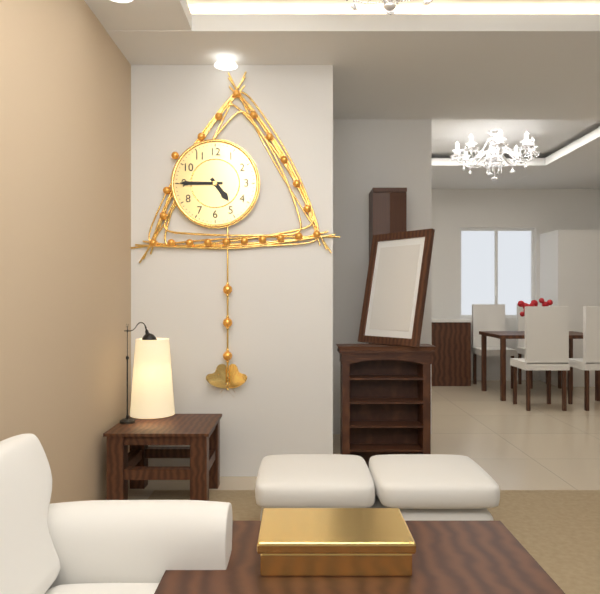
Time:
4.45
